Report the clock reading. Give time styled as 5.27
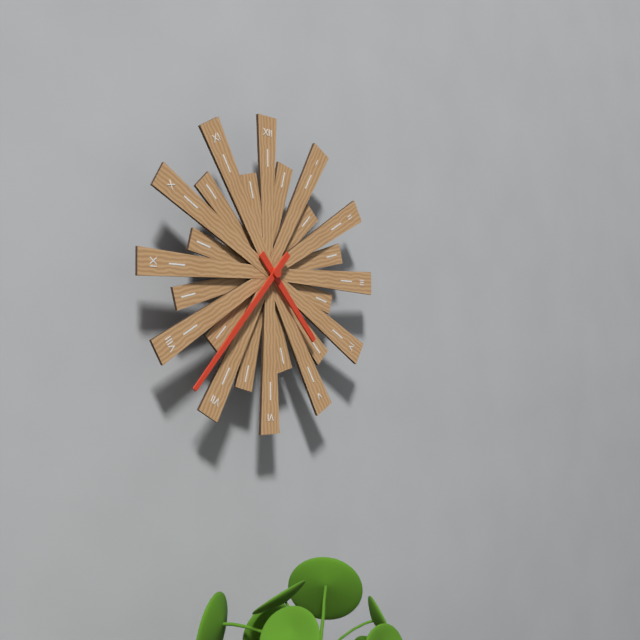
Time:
4.37
